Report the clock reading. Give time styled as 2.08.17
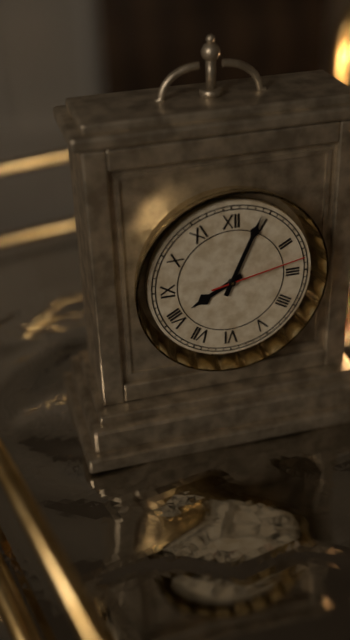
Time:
8.04.13
